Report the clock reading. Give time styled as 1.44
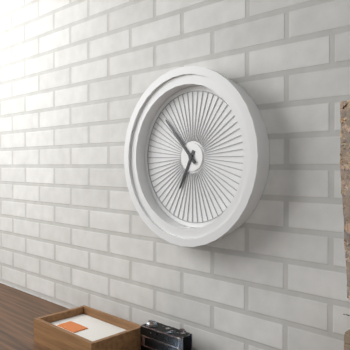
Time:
6.53
